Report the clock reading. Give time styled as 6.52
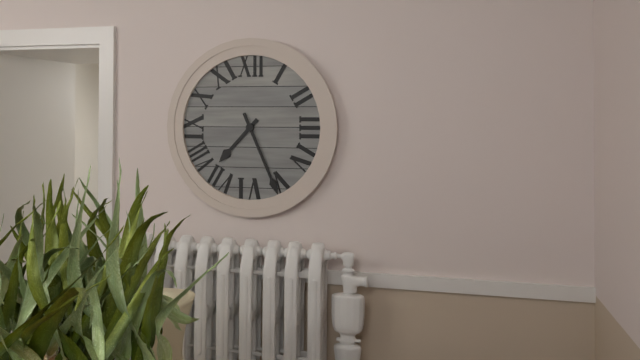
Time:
7.26
